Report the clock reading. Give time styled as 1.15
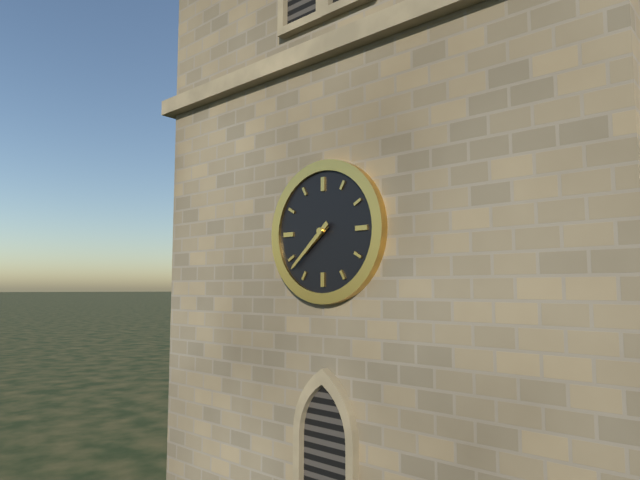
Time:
7.38
